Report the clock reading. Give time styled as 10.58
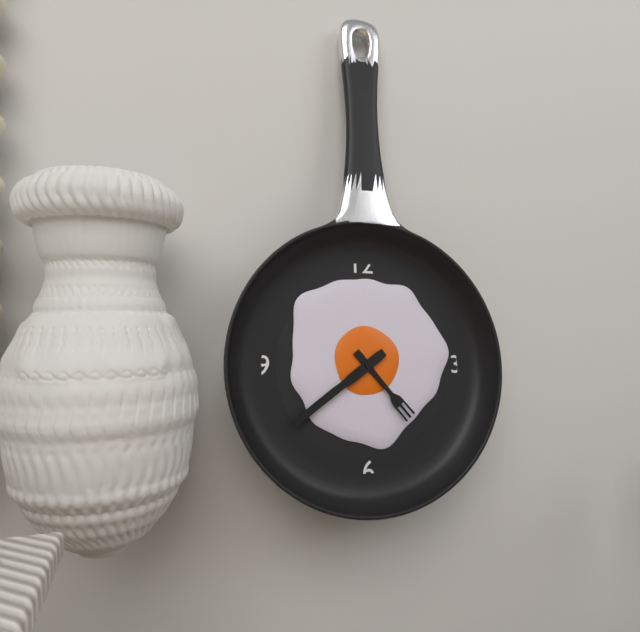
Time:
4.39
